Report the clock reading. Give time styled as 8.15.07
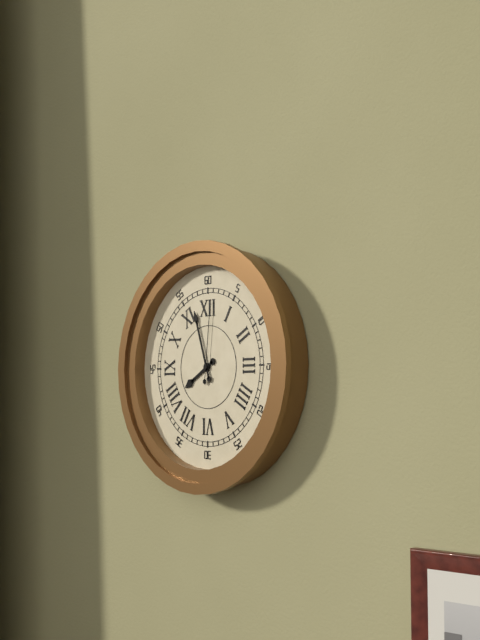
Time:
7.57.01
